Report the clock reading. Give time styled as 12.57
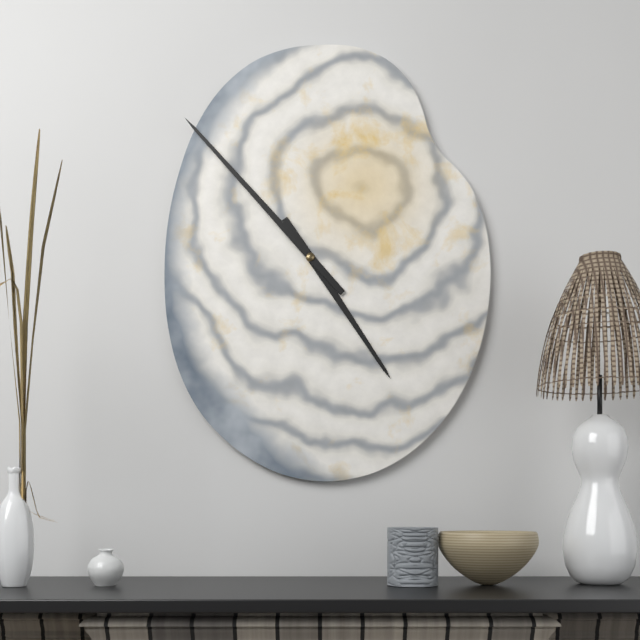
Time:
4.53
